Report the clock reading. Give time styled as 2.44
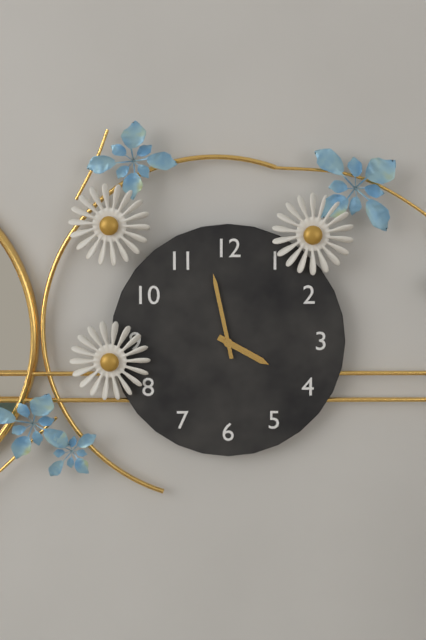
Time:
3.58
